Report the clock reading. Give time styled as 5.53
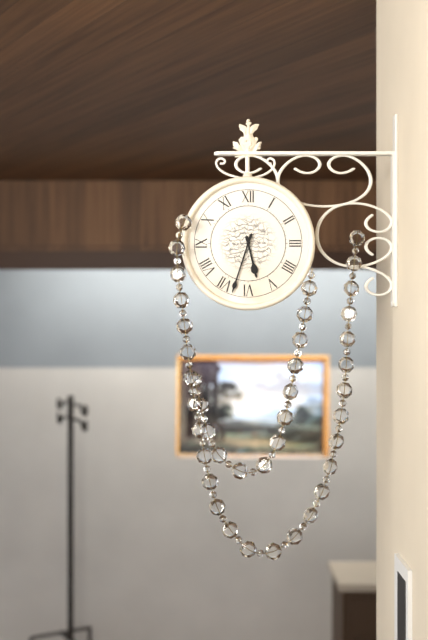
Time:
5.33
